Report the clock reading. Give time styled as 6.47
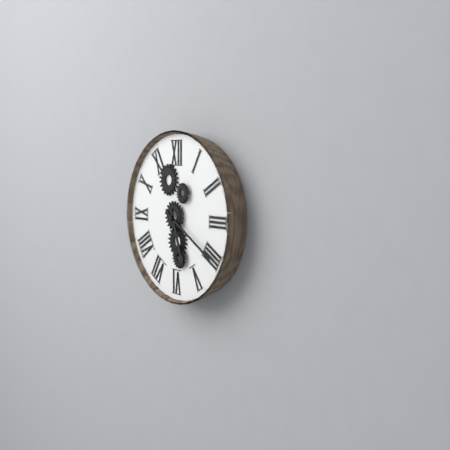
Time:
5.20
